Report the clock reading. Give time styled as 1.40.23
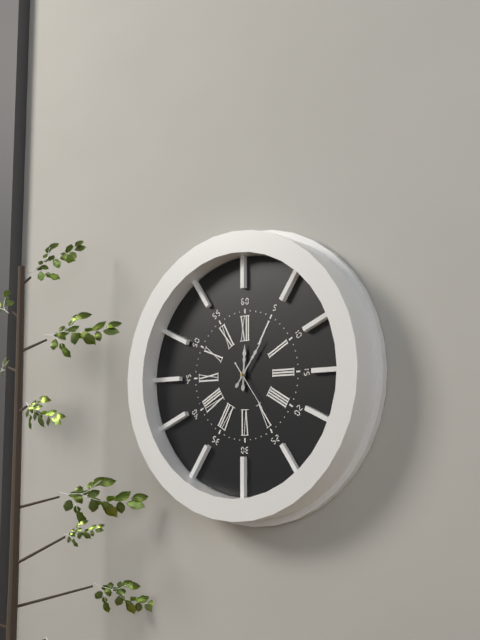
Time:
12.06.24
